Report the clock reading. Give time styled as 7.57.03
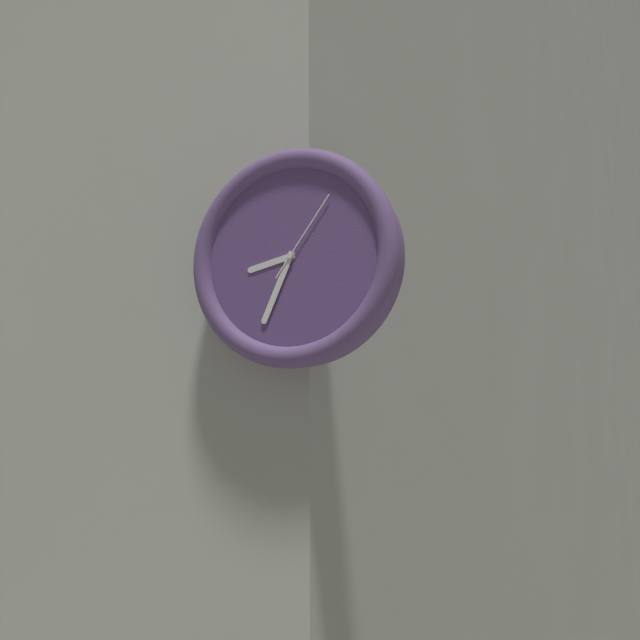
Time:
8.34.06
